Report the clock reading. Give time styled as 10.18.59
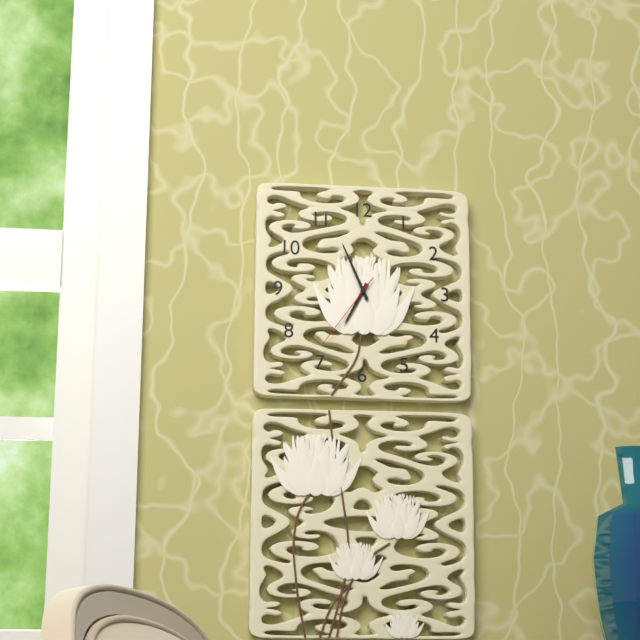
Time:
6.56.36
